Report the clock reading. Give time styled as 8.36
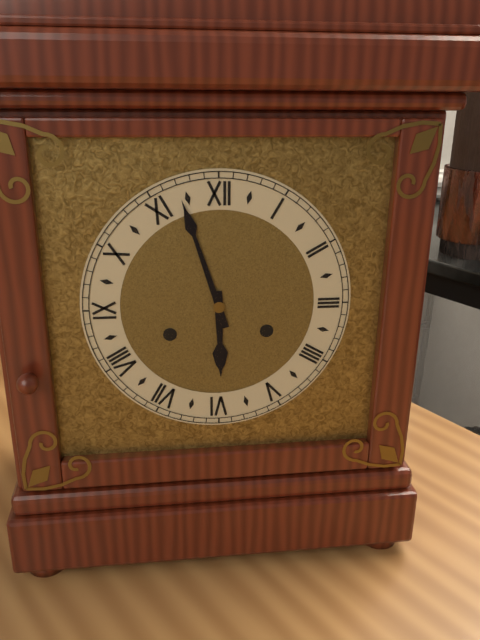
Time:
5.57
